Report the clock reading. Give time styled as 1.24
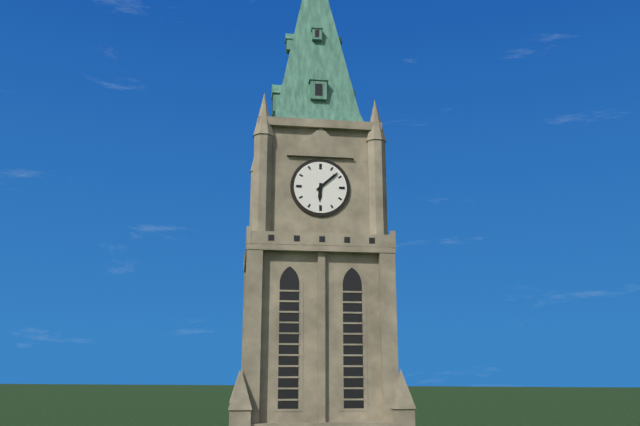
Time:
6.08
